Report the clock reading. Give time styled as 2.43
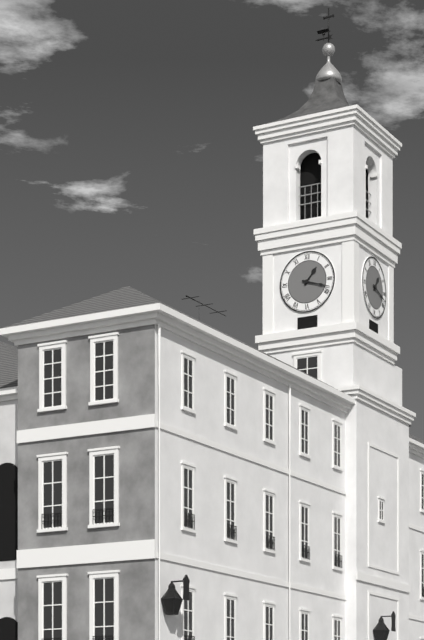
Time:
1.18
